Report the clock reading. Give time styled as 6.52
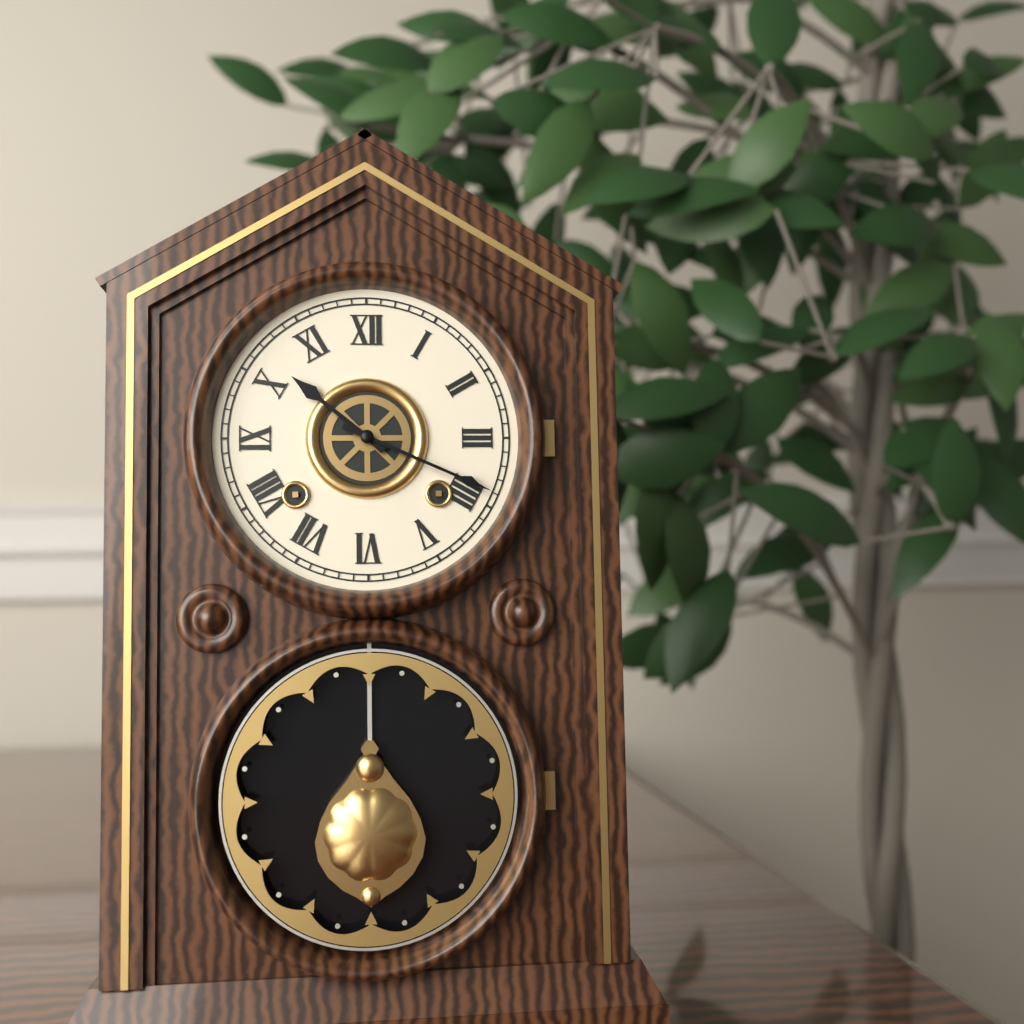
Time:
10.19
